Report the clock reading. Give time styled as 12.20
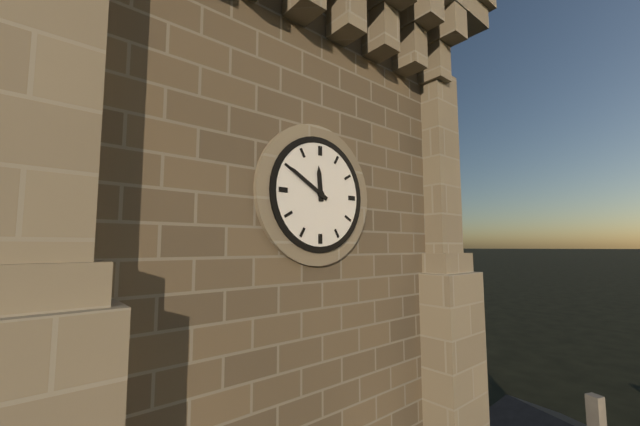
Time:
11.50
